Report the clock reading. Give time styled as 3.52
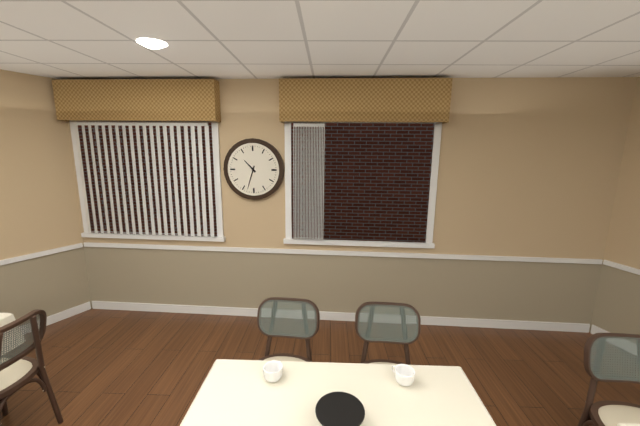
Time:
10.33
